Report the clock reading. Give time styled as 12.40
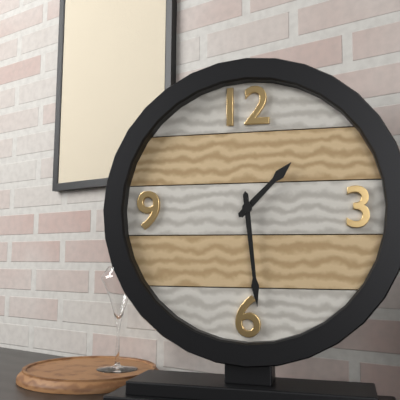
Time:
1.29
